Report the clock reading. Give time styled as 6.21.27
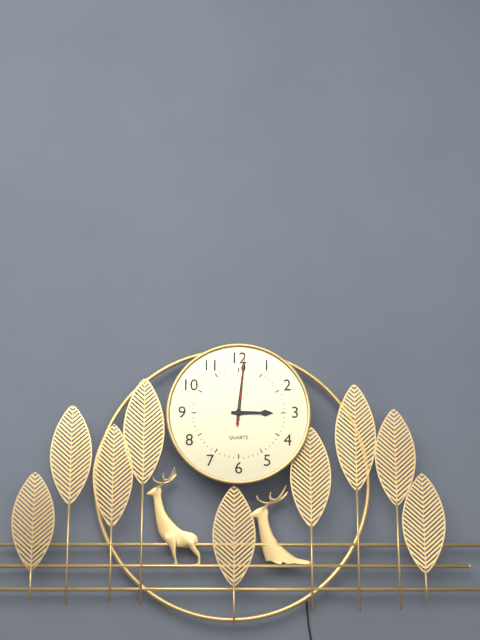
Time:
3.01.01
